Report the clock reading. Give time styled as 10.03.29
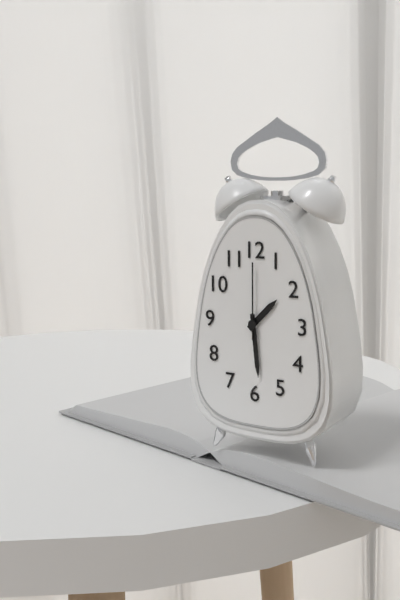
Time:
1.29.00
